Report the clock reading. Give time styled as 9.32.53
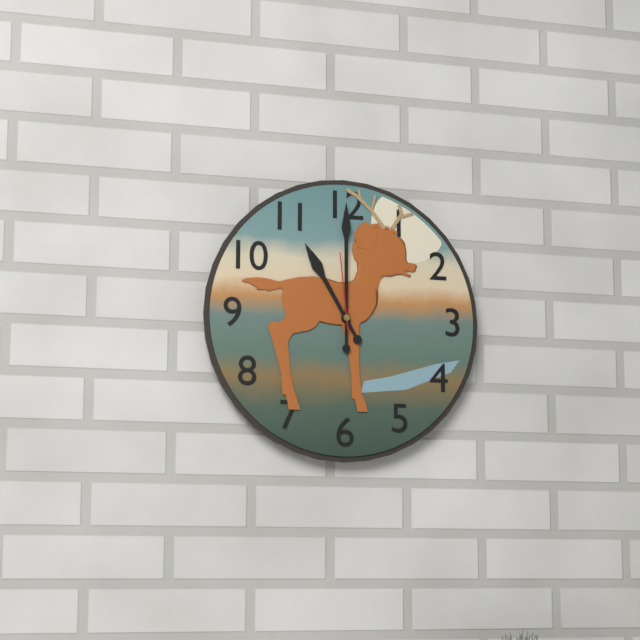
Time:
11.00.59
